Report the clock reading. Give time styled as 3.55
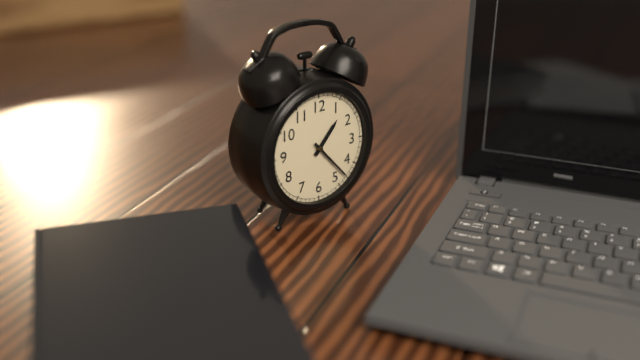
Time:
1.23
